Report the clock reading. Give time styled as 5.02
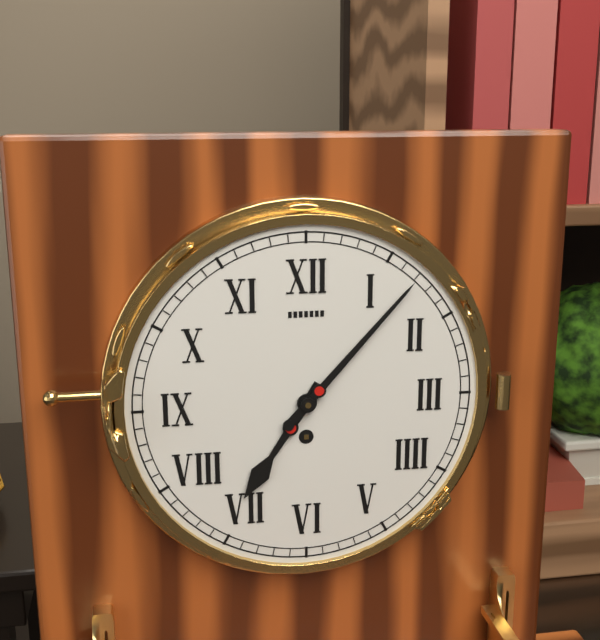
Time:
7.07
